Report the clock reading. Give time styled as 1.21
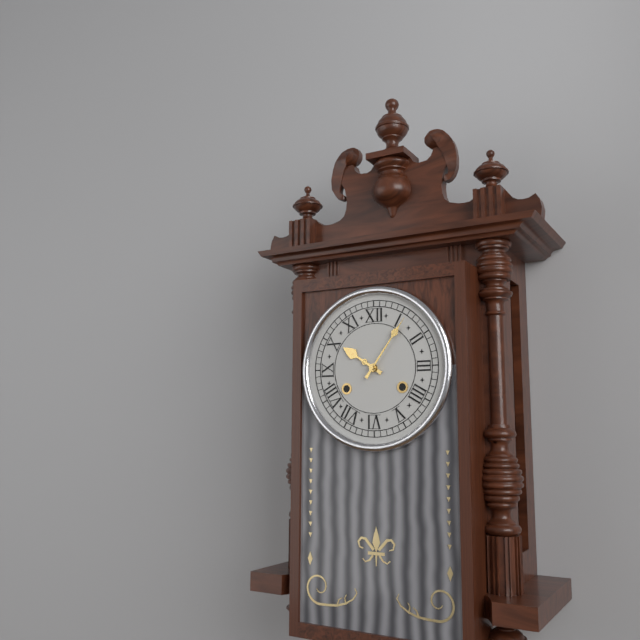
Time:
10.06
